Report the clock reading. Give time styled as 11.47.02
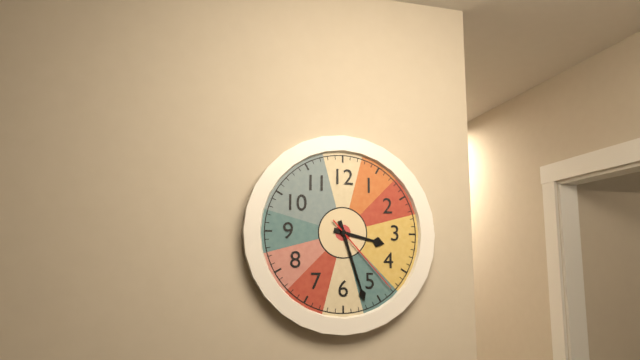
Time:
3.27.23
